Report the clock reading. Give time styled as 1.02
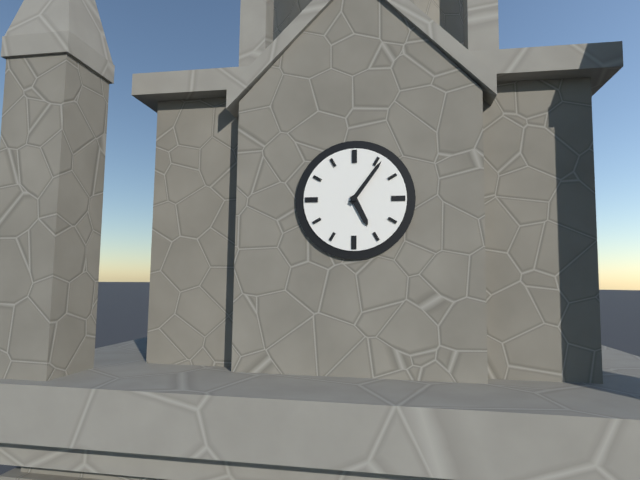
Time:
5.06
